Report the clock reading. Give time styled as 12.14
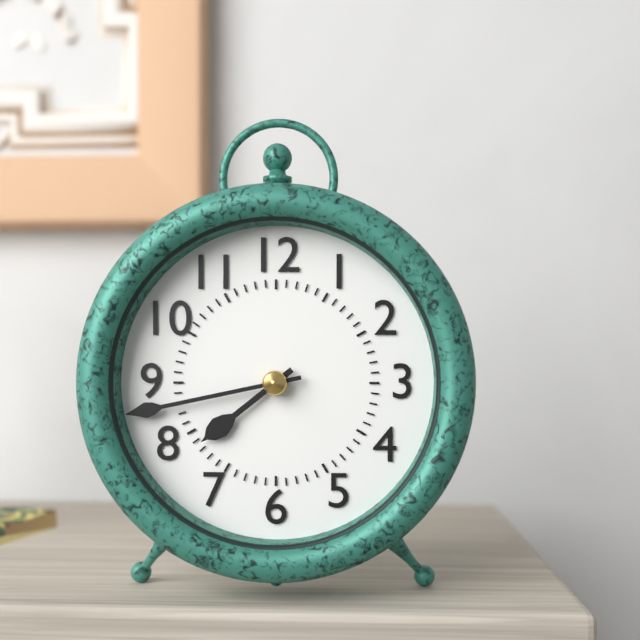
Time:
7.43
